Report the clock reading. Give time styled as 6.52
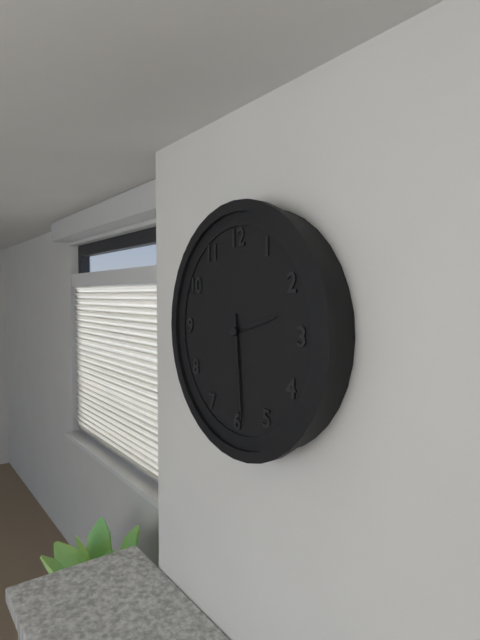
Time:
2.29
